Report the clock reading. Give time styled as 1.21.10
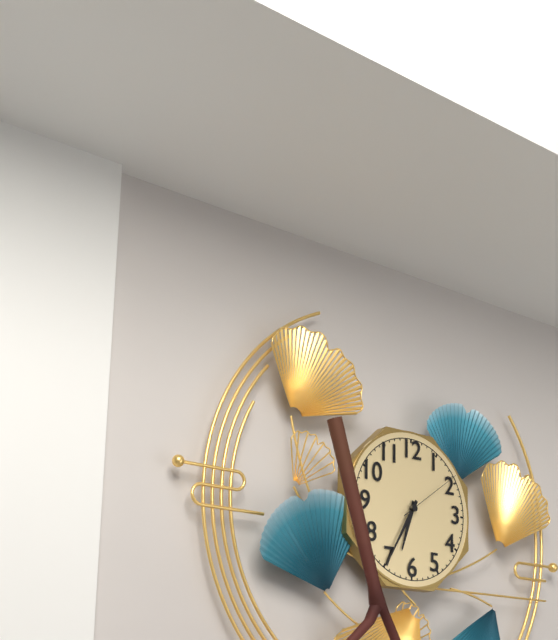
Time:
6.35.09
